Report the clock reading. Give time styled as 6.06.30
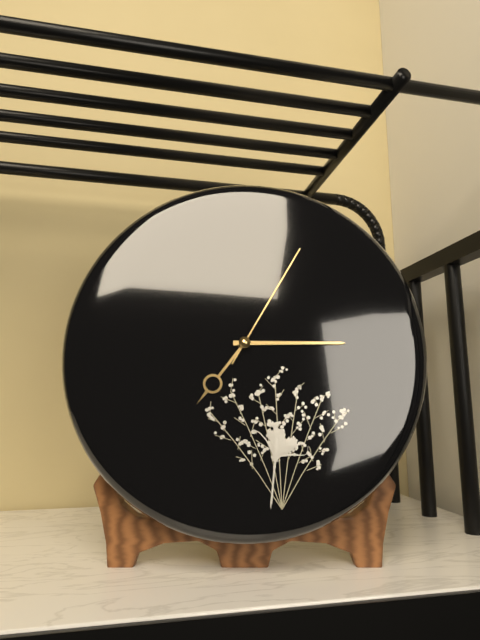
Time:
7.15.05
